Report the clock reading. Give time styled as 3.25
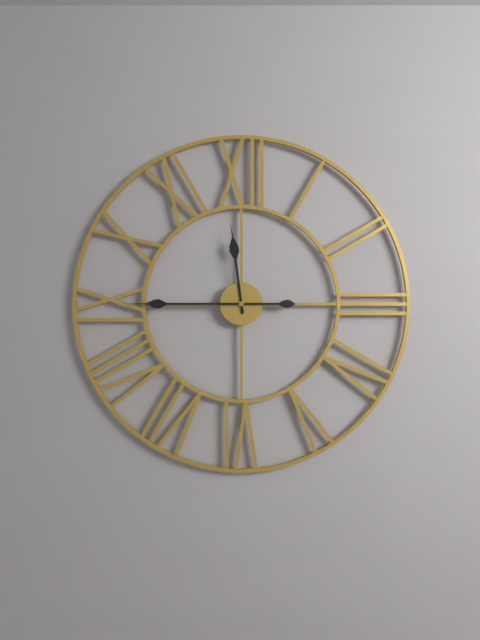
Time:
11.45
